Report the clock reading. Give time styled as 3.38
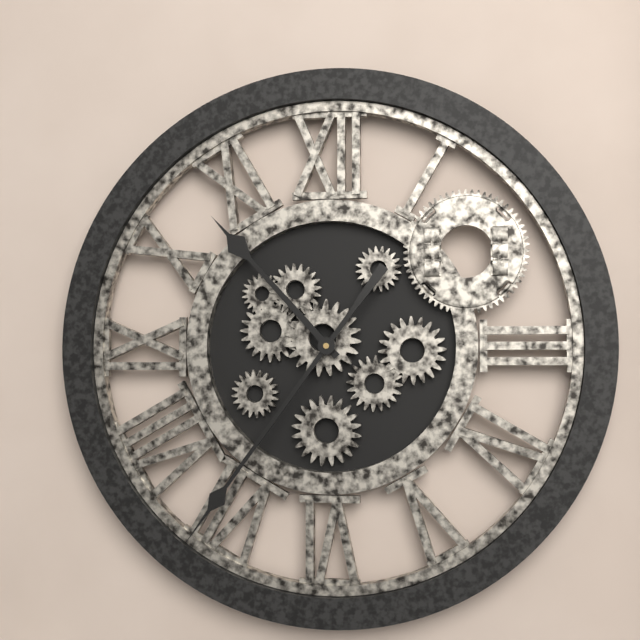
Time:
10.36
